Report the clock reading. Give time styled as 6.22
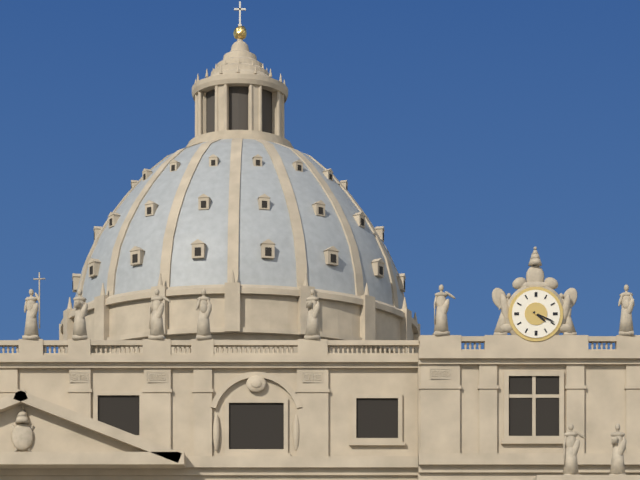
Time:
4.19
